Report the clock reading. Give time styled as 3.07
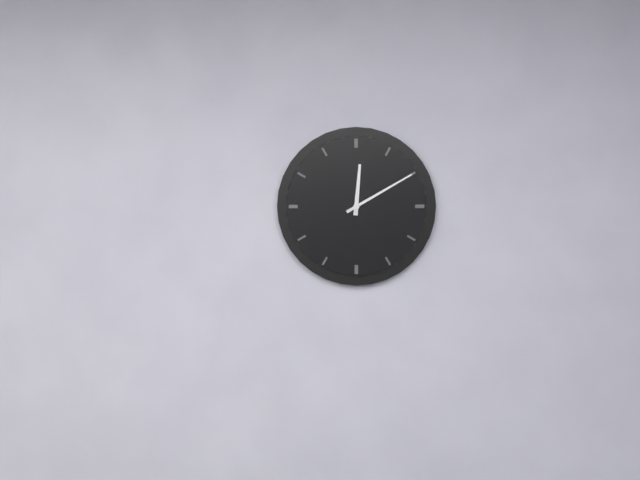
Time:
12.10
